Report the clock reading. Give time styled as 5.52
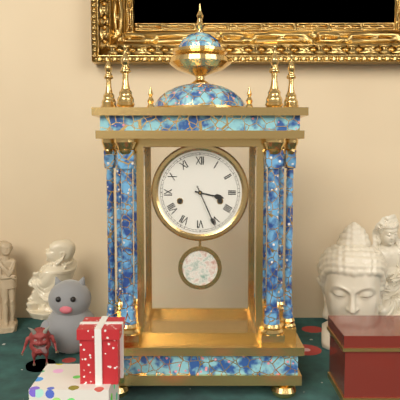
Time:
3.26
